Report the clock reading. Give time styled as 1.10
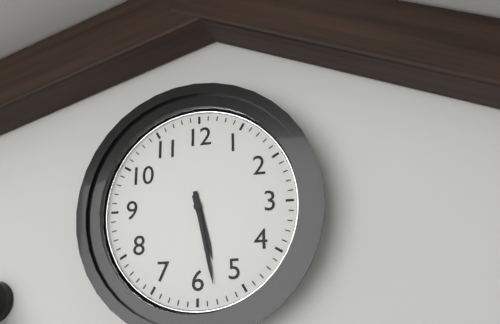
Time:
5.28
